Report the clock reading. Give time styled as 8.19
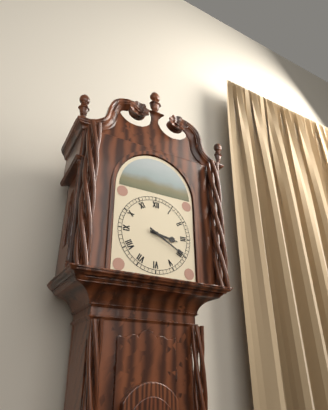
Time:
3.20
